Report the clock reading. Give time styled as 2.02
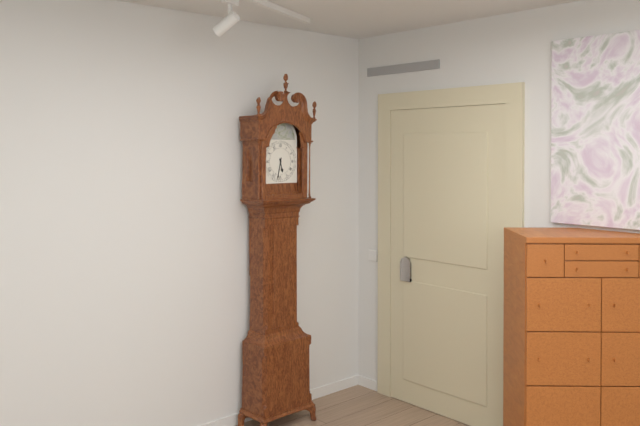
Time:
5.32
